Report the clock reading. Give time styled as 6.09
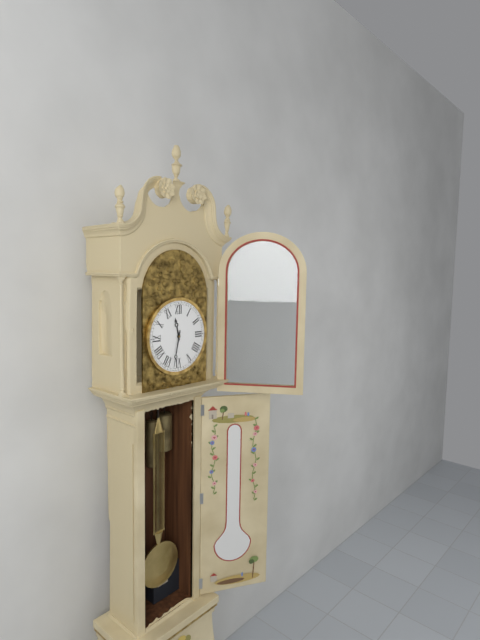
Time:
11.32
